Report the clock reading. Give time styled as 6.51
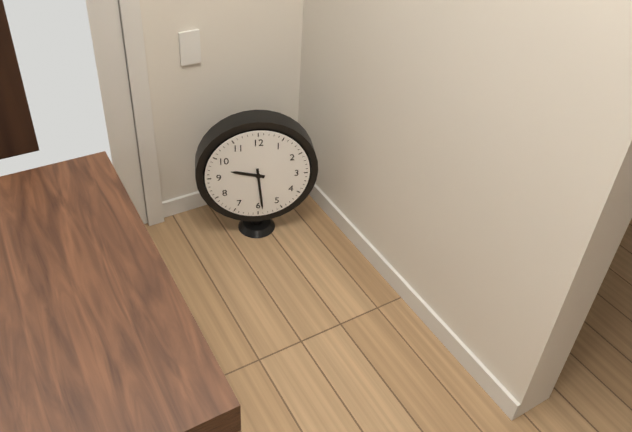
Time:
9.29
